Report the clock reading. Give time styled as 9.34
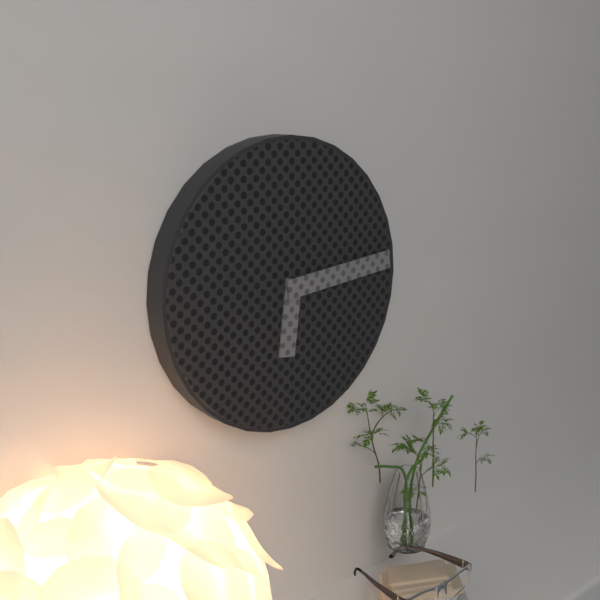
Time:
6.14
